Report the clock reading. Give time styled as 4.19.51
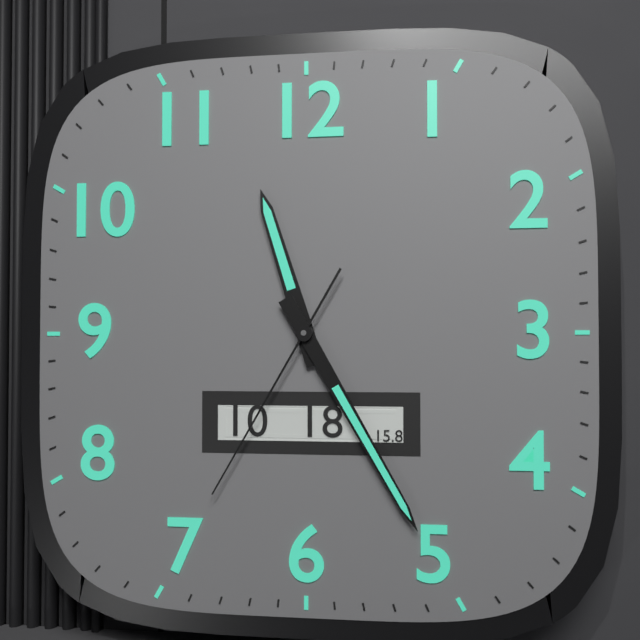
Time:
11.25.35
